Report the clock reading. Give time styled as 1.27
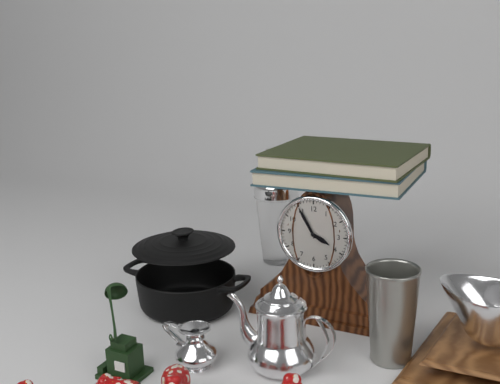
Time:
3.55
